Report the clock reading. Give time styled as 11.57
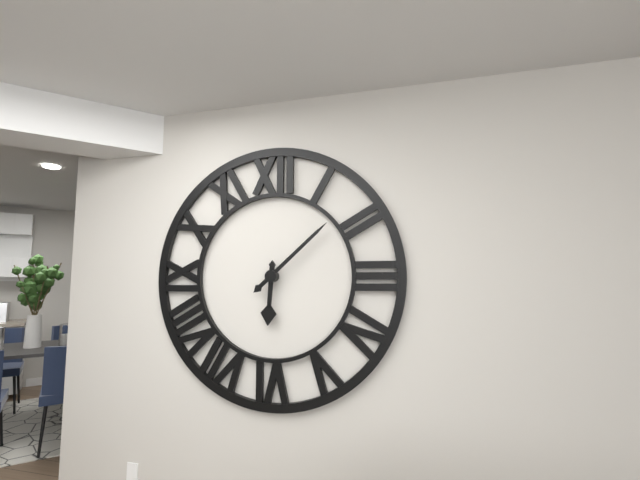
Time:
6.08
